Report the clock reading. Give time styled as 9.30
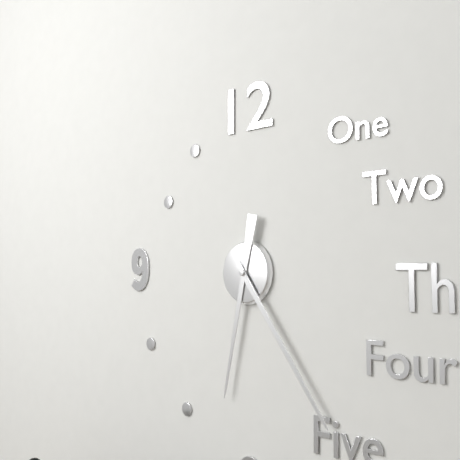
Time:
6.24
